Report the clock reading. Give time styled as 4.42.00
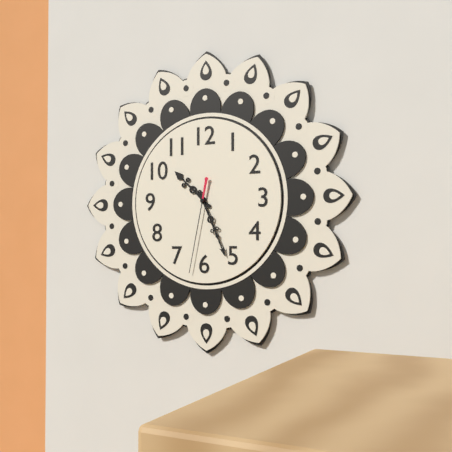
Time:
10.26.32
